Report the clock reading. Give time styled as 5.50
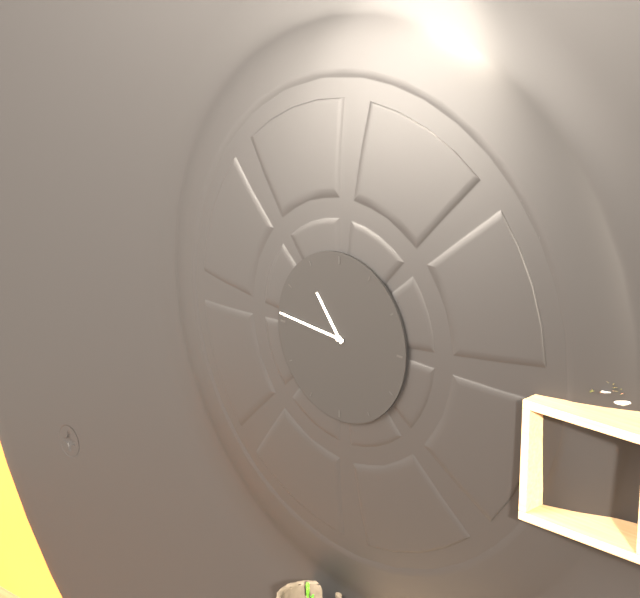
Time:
10.46
